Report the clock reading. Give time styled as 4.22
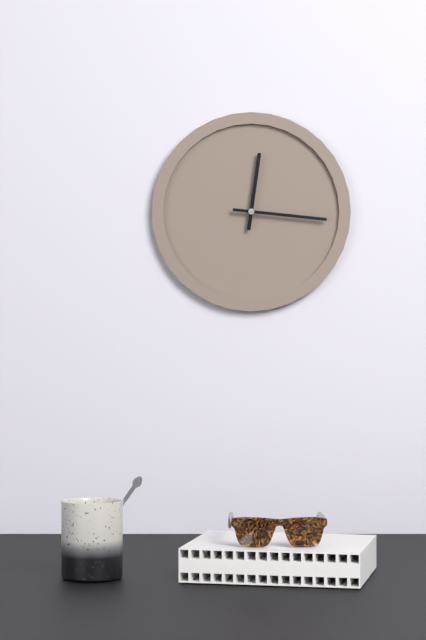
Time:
12.16
